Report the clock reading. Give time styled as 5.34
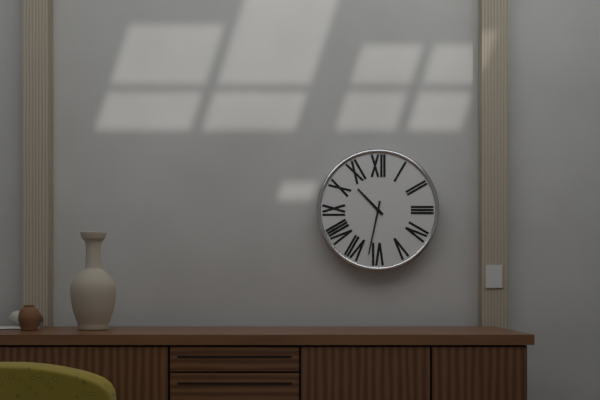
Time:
10.32
